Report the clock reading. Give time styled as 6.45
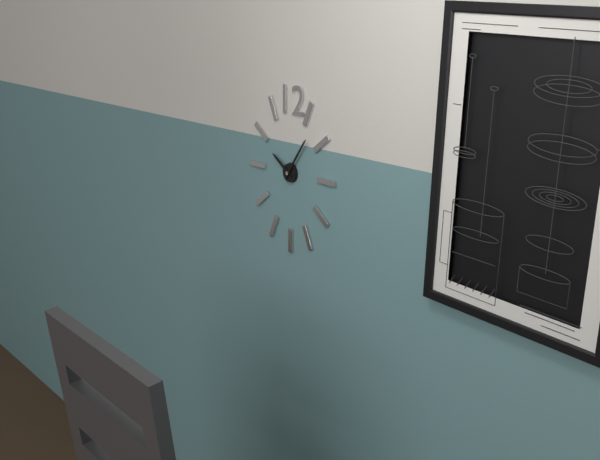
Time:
10.06
